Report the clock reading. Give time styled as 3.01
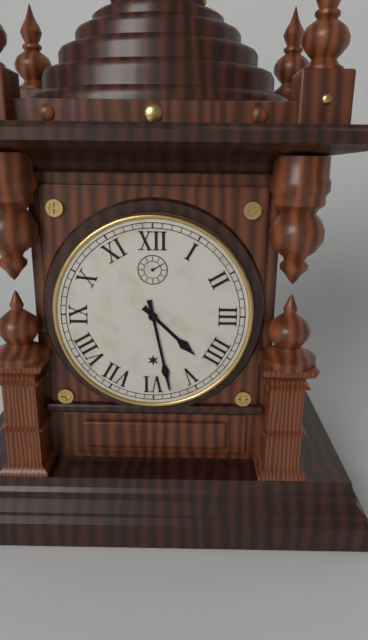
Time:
4.28
